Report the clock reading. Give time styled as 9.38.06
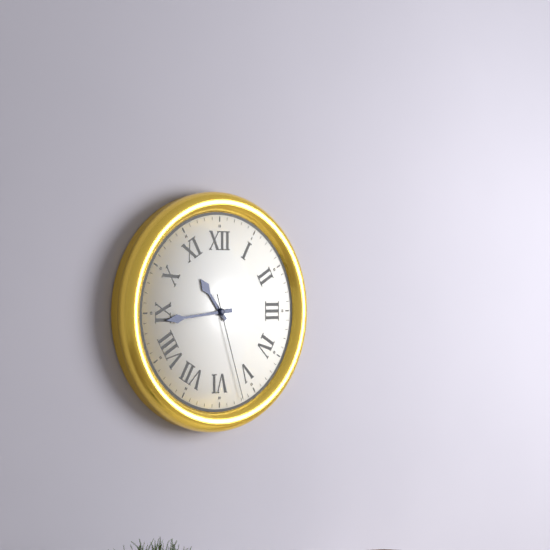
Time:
10.44.27
